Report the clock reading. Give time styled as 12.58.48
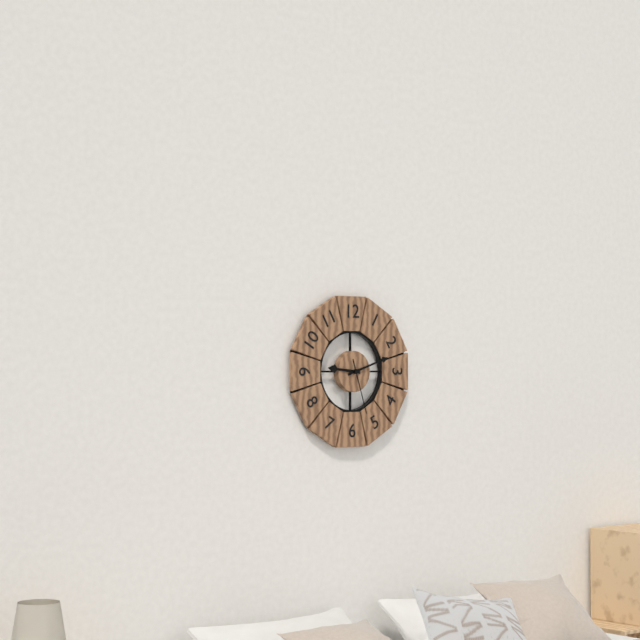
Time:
9.12.27
